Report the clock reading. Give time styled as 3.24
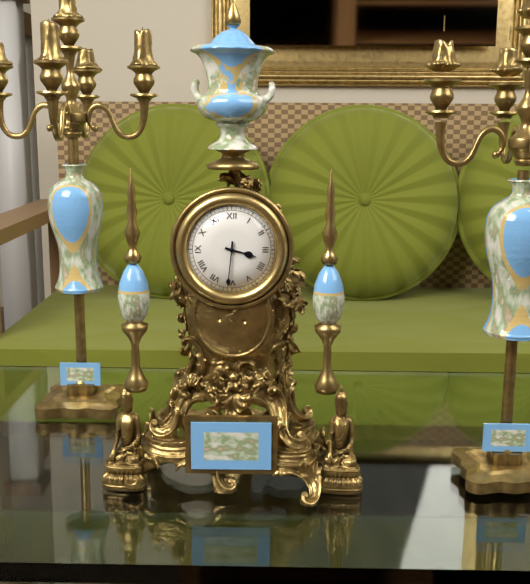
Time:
3.31
